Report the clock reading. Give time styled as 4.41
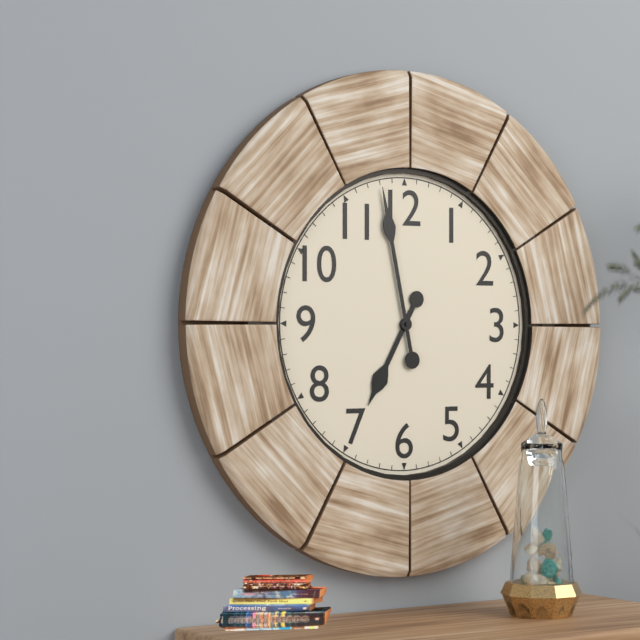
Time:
6.58
